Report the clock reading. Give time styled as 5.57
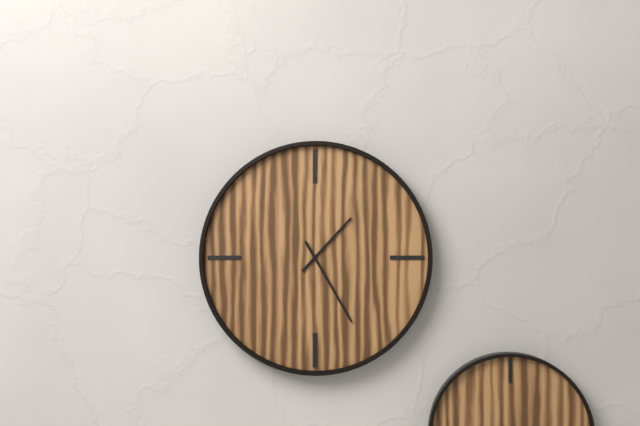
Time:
1.25
